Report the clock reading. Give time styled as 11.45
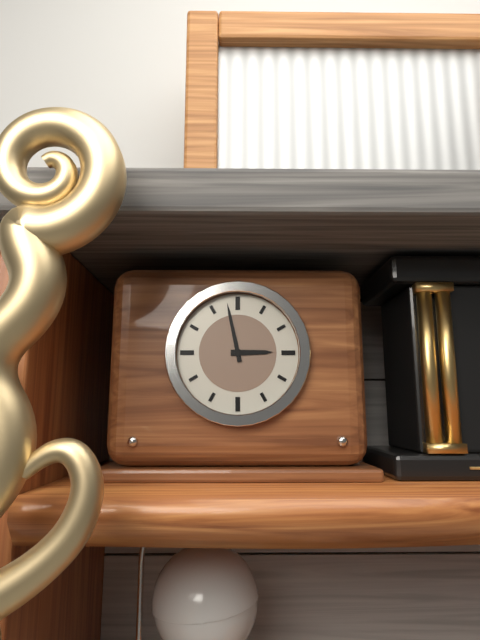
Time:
2.58
